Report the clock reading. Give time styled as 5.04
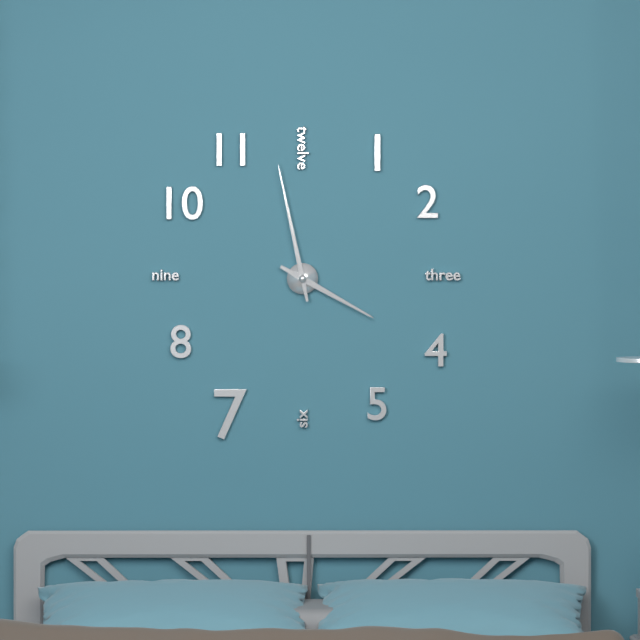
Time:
3.58
